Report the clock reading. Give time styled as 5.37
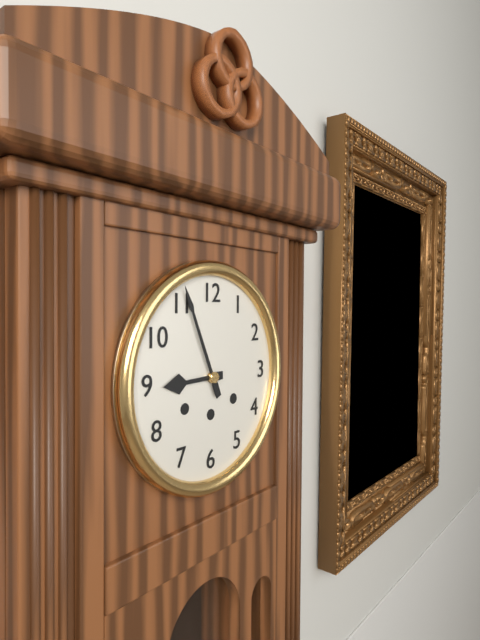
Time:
8.56
